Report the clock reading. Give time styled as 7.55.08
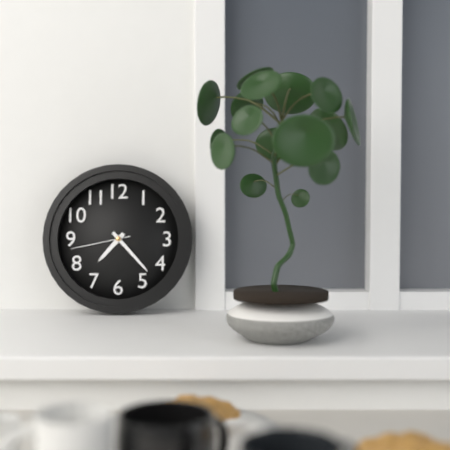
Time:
7.23.43
